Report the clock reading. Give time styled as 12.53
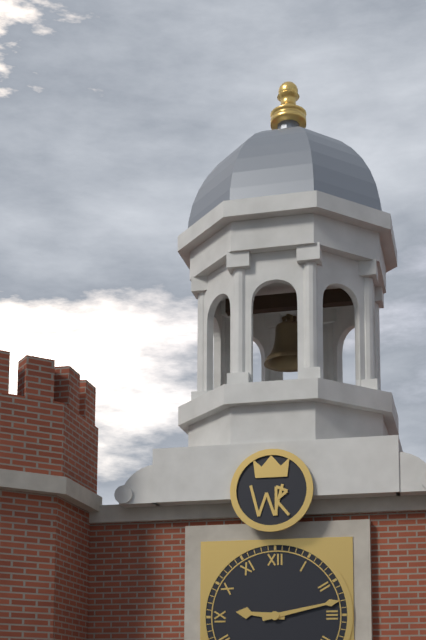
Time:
9.13
